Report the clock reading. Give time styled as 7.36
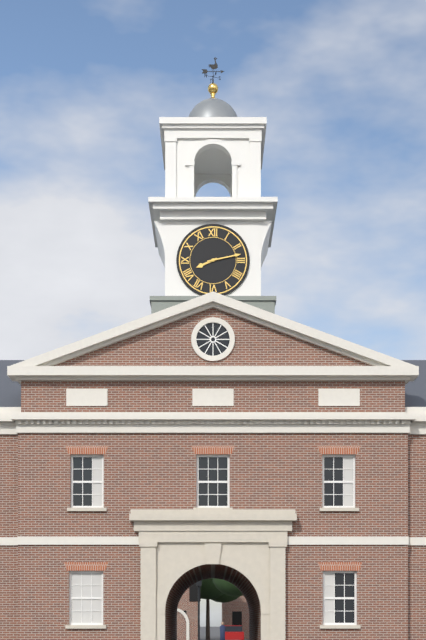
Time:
8.13
